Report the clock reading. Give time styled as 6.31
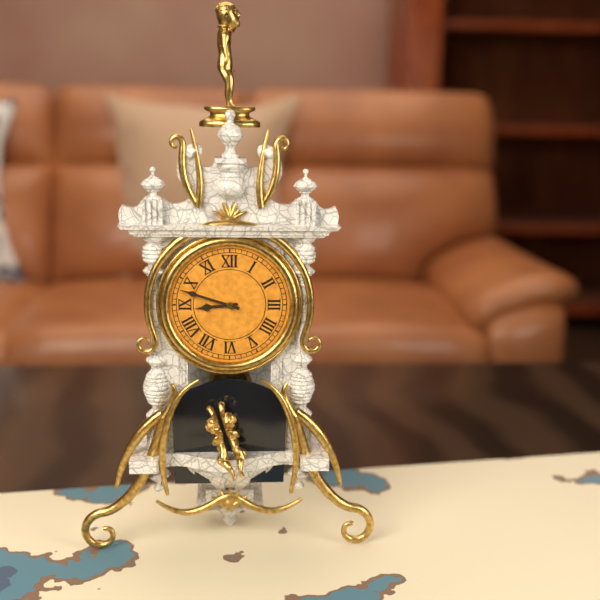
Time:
8.48
